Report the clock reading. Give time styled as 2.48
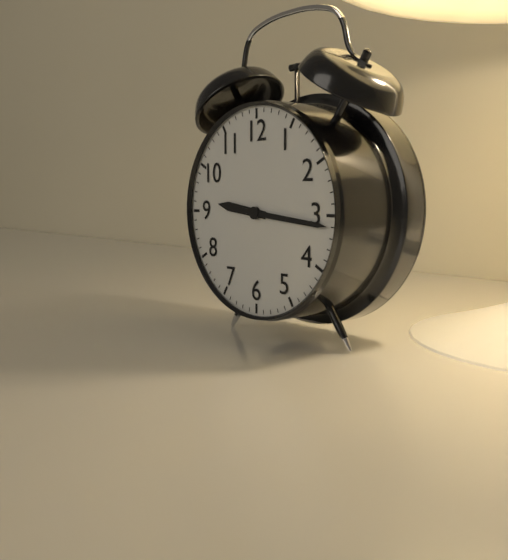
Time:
9.16
